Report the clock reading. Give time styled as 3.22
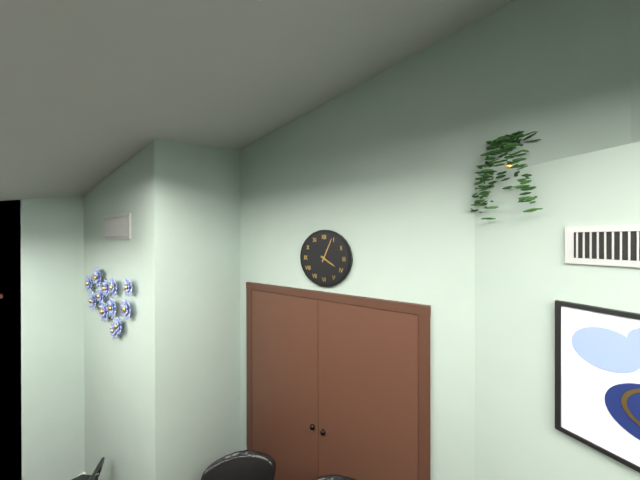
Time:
4.04
